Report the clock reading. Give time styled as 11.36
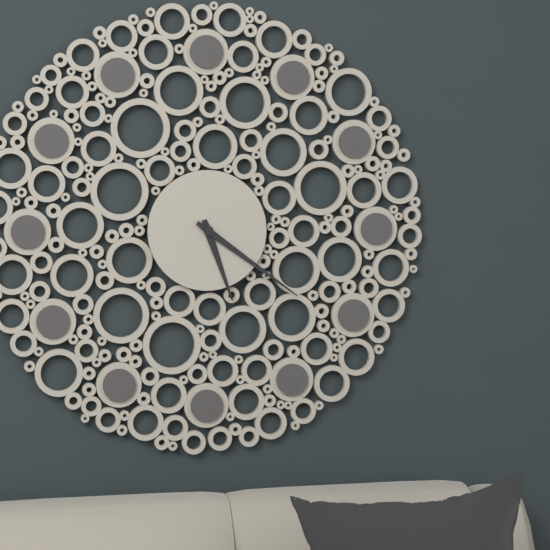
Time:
5.21
